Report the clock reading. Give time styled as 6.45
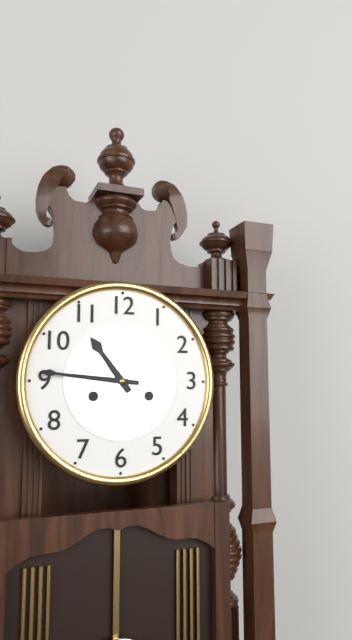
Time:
10.46
